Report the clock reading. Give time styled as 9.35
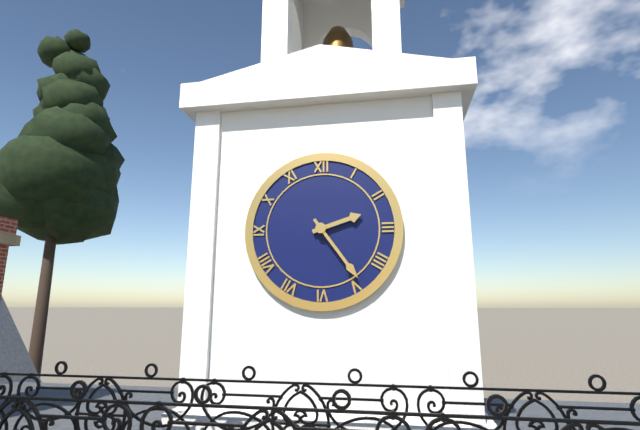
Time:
2.24
